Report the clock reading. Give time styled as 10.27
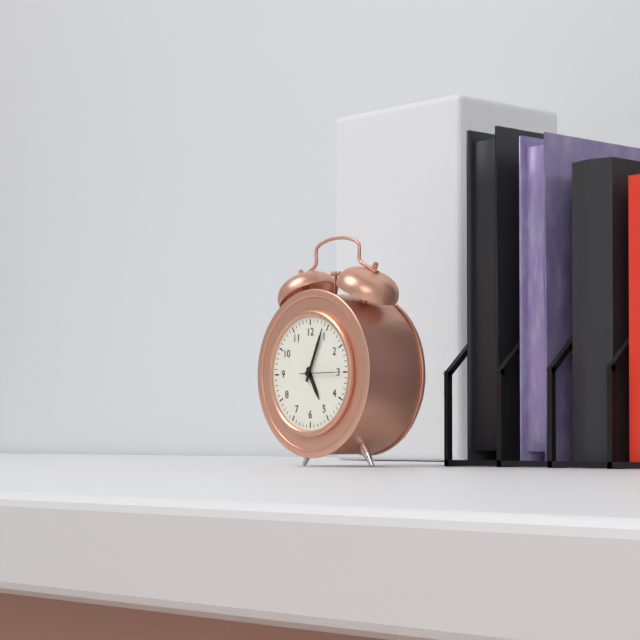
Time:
5.04
